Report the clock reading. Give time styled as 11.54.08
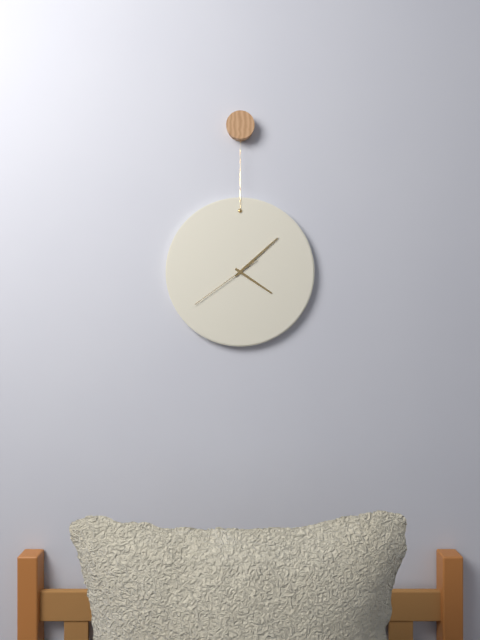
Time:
4.08.39
